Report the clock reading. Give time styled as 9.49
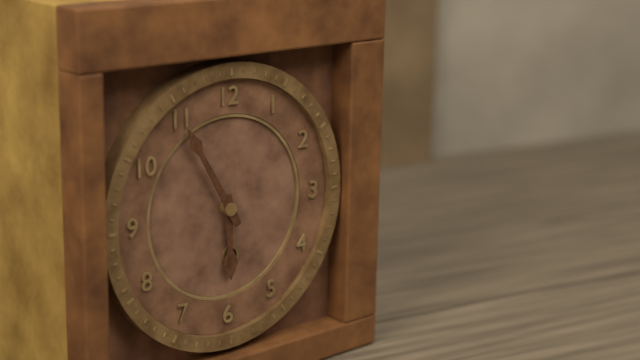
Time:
5.55
